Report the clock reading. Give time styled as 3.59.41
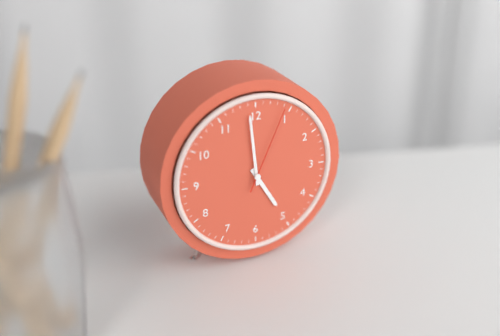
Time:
4.59.04
